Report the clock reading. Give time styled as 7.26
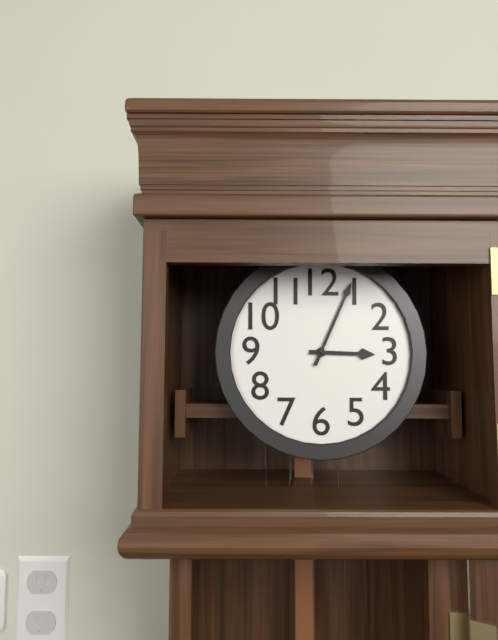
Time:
3.04
